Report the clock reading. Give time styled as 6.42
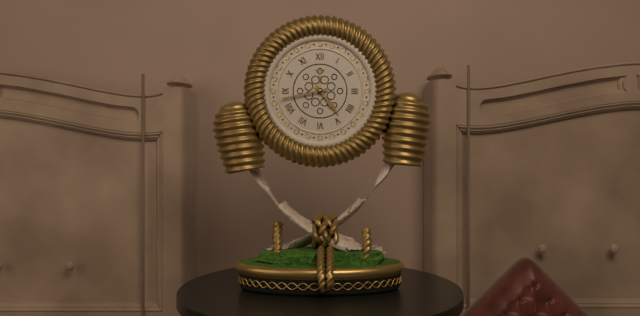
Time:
4.43
